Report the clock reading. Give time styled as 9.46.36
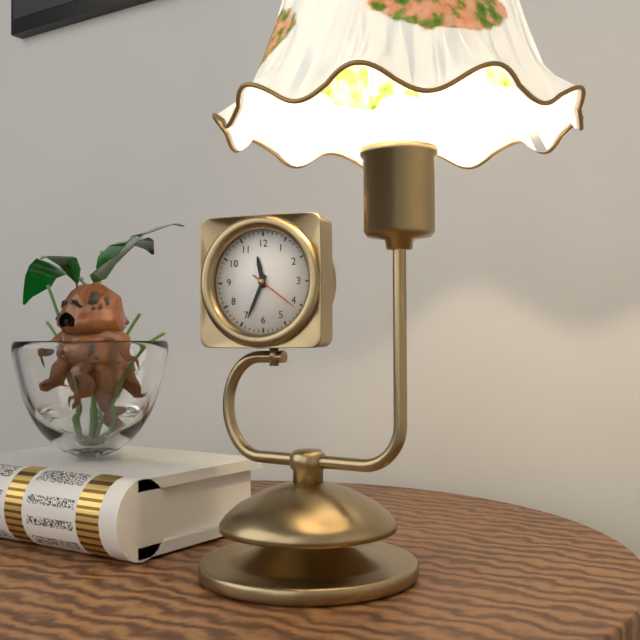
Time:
11.34.21
